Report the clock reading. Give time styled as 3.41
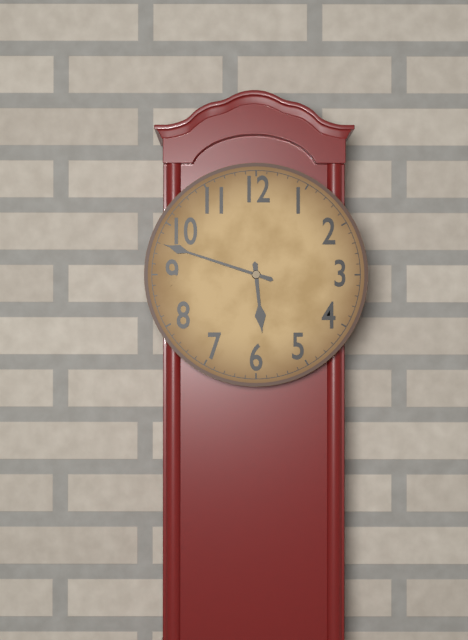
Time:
5.48
